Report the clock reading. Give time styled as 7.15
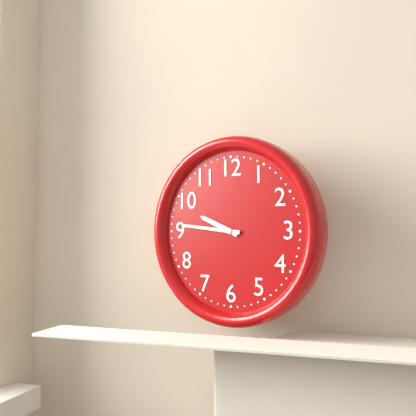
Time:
9.46
